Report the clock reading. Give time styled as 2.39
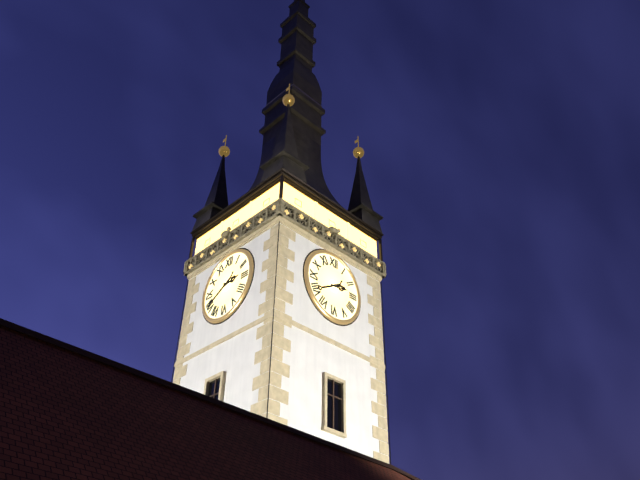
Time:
2.40
